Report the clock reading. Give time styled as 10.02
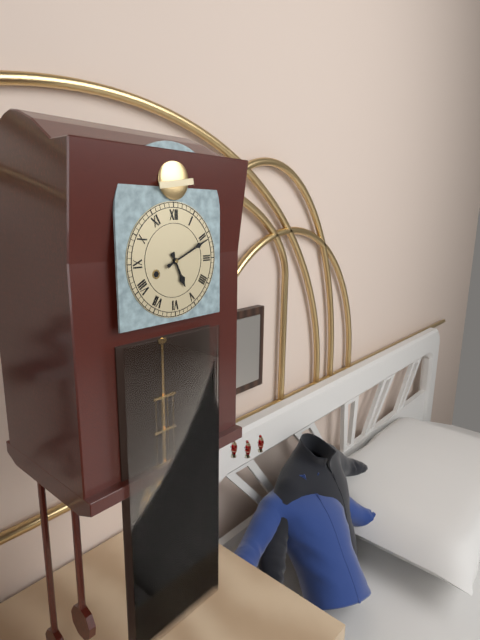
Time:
5.11
